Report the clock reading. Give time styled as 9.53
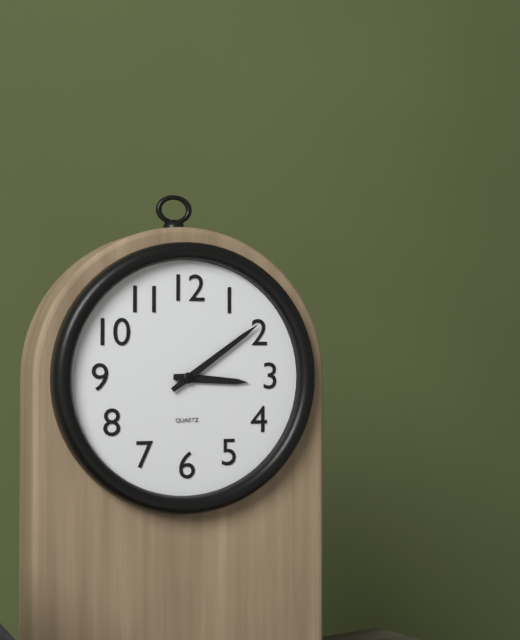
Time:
3.09
